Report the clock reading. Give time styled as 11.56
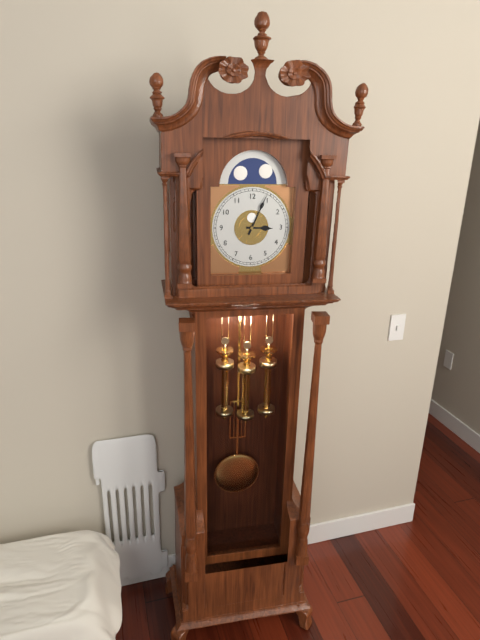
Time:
3.04
